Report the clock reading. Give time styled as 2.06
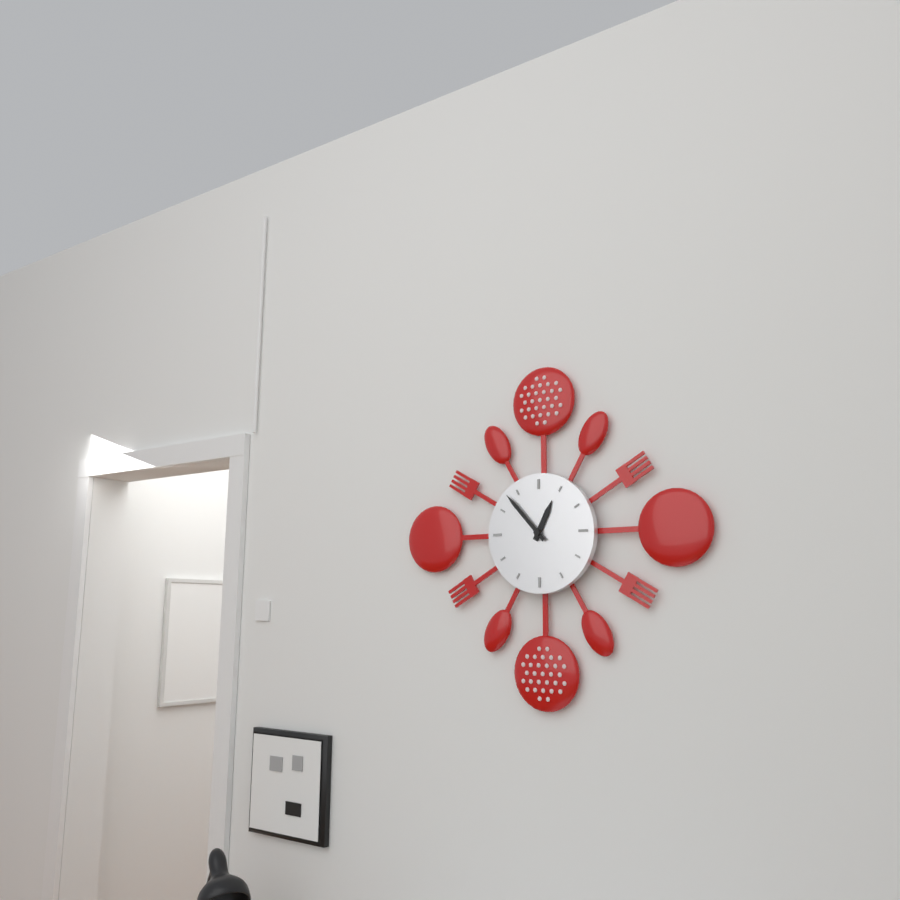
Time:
12.53
